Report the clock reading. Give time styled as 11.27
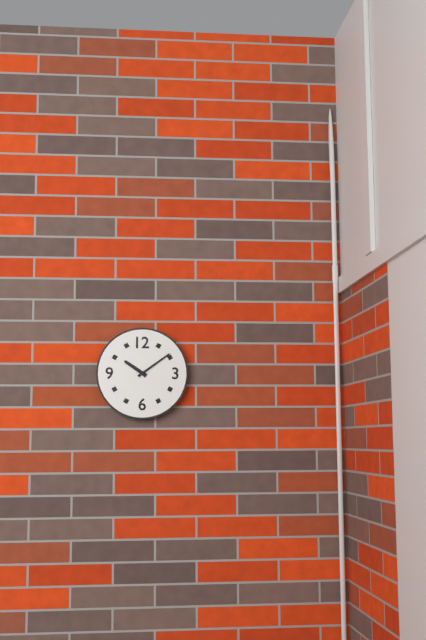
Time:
10.09
